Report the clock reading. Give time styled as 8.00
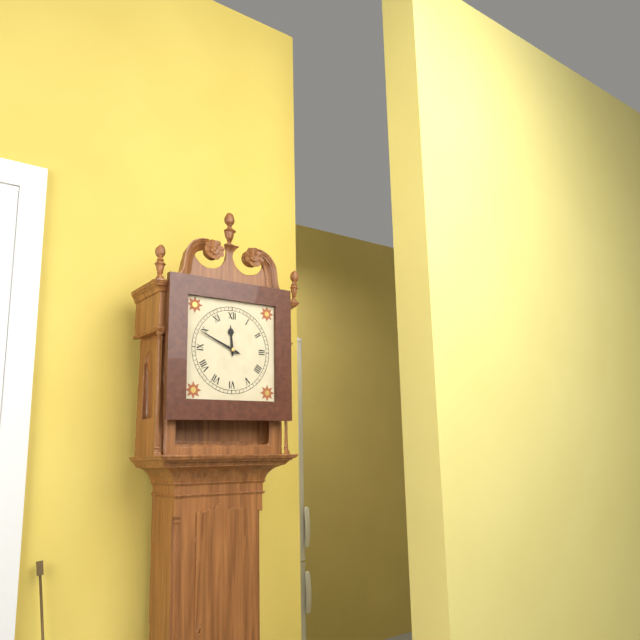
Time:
11.49
